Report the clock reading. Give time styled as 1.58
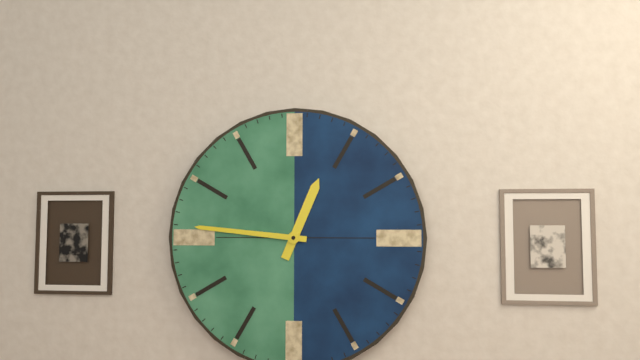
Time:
12.46
